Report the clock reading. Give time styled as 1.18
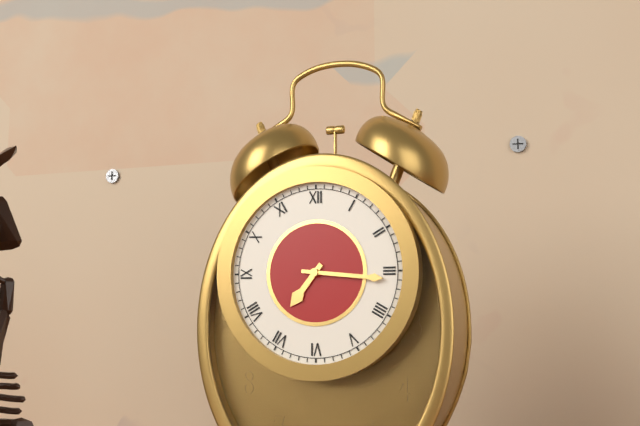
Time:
7.16
